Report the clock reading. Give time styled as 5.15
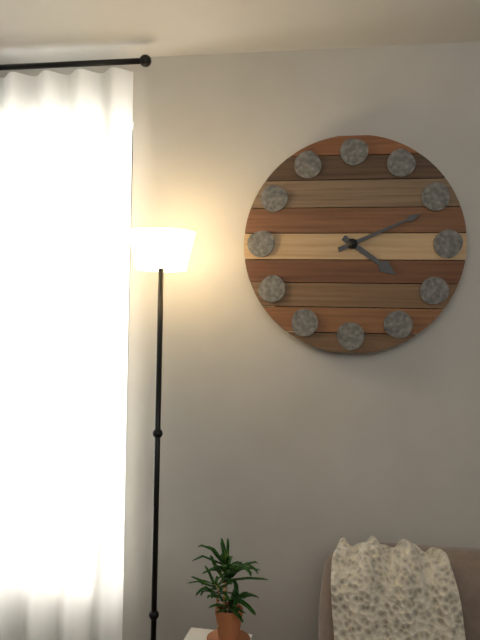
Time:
4.11
